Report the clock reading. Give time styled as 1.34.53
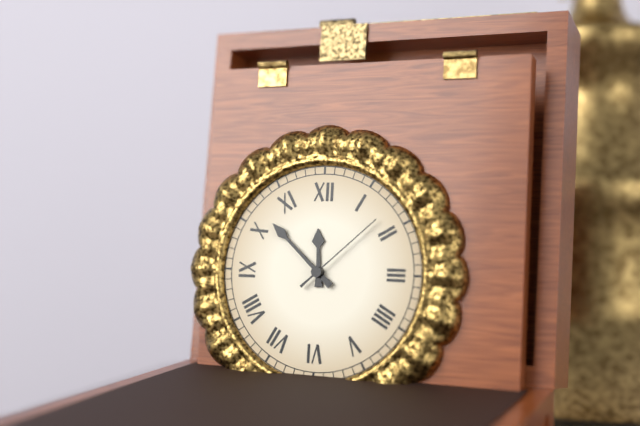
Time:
11.52.08
